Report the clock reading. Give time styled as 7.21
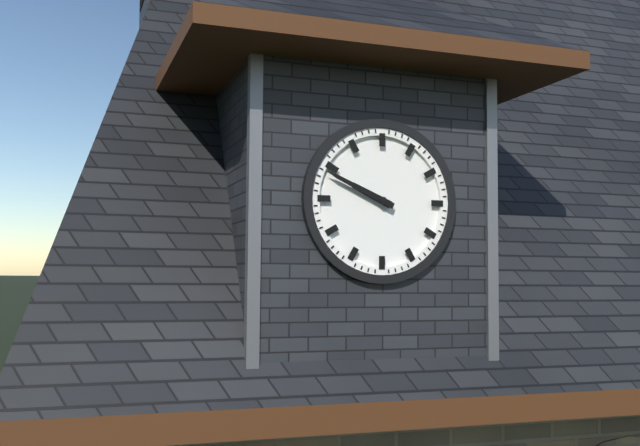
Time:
9.49
